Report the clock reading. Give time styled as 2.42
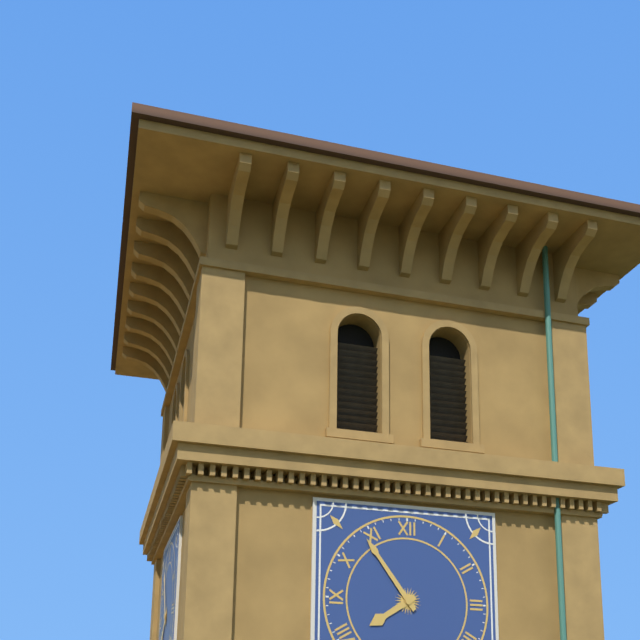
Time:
7.54
